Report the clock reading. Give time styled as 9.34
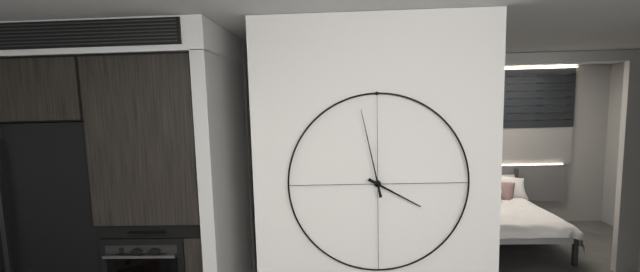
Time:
3.58
